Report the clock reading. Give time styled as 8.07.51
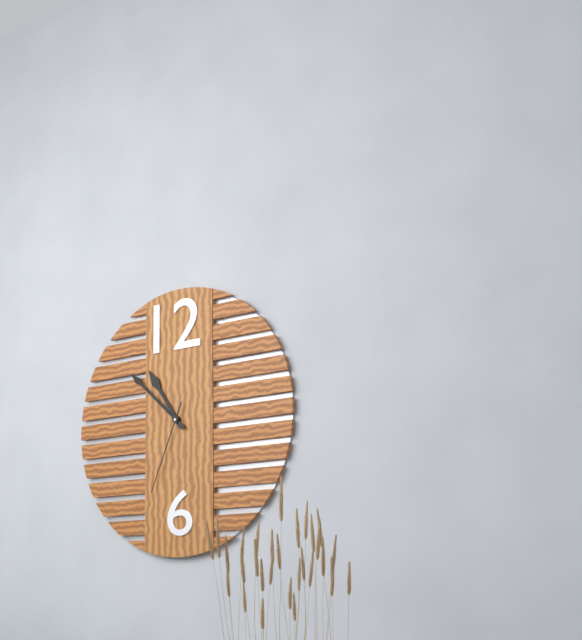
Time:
10.52.34
